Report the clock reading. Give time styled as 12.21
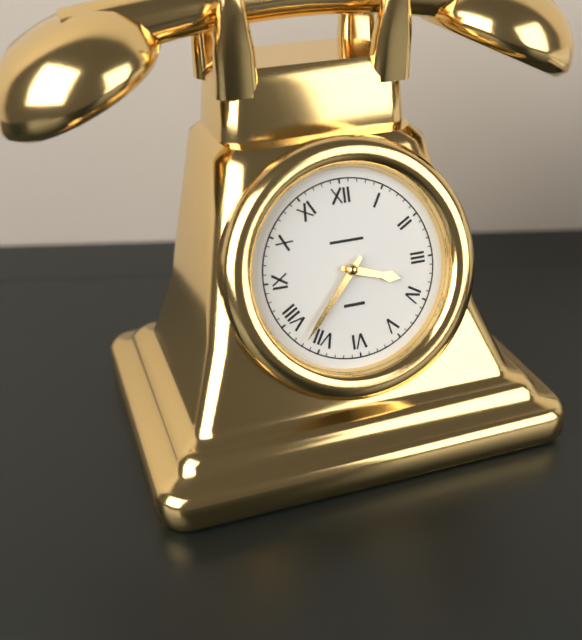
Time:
3.37
